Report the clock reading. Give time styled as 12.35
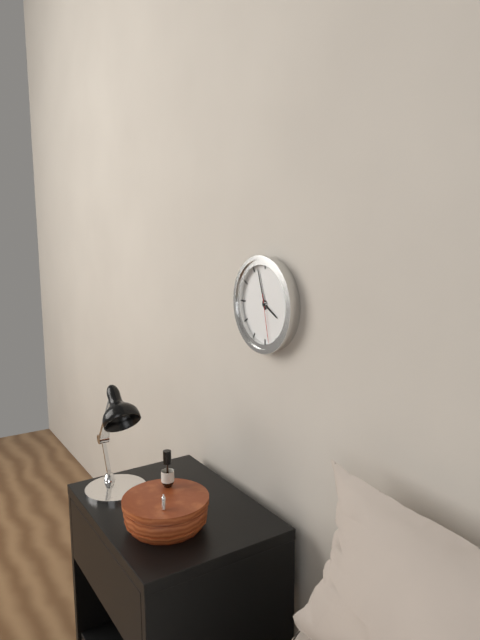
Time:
3.57
